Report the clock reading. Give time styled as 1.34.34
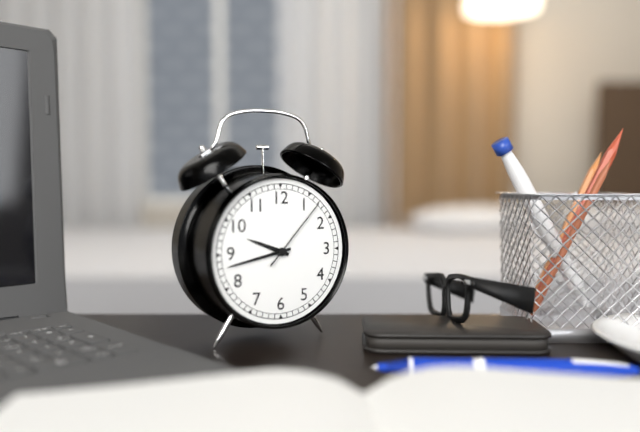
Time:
9.43.07
